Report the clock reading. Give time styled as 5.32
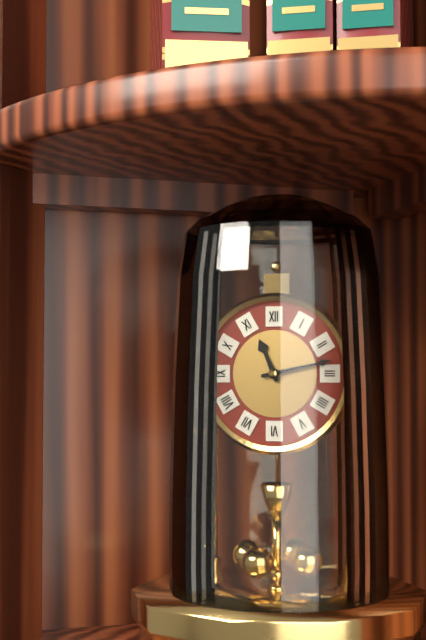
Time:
11.13
